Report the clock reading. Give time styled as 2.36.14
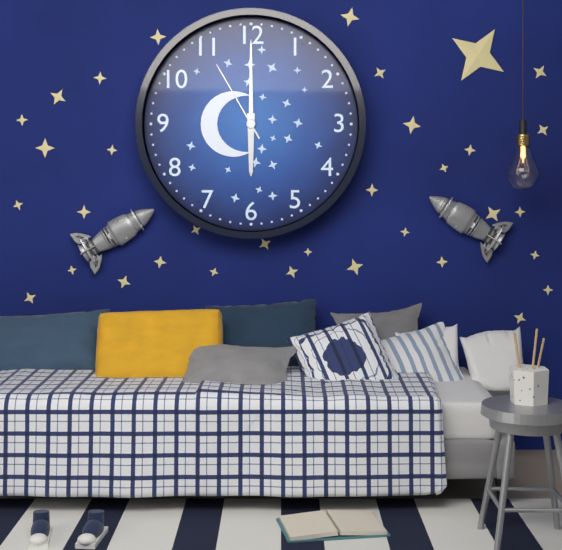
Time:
6.00.55
